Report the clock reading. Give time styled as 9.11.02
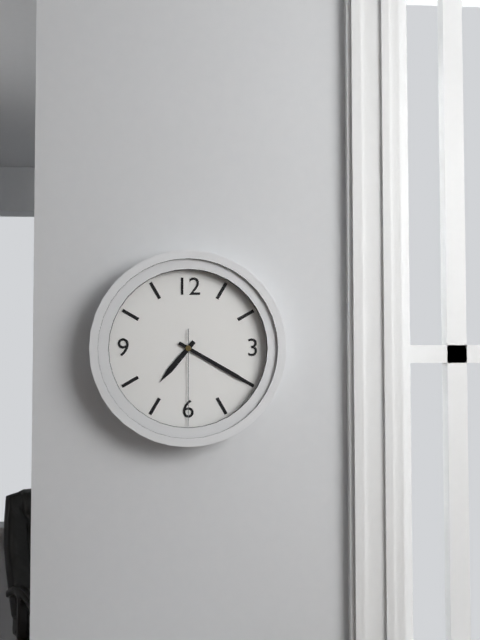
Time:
7.20.30
